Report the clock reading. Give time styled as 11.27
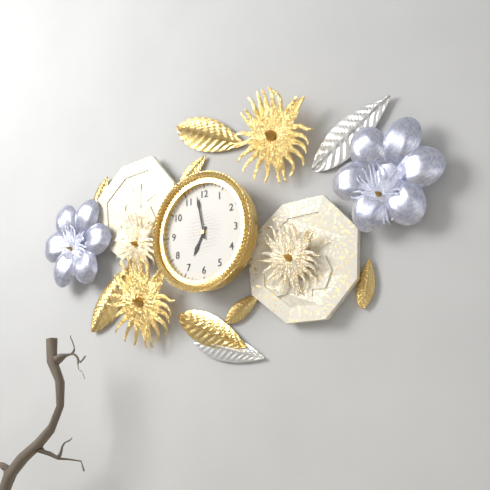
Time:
6.58
